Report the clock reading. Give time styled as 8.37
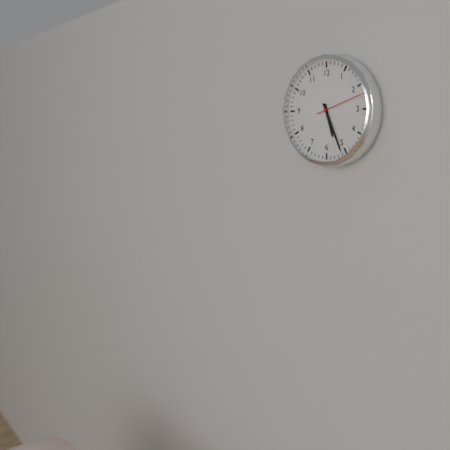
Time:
5.26
